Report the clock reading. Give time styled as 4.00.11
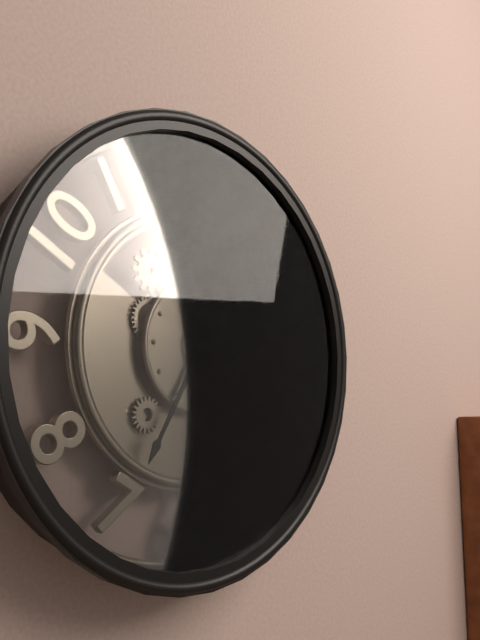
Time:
11.35.25
